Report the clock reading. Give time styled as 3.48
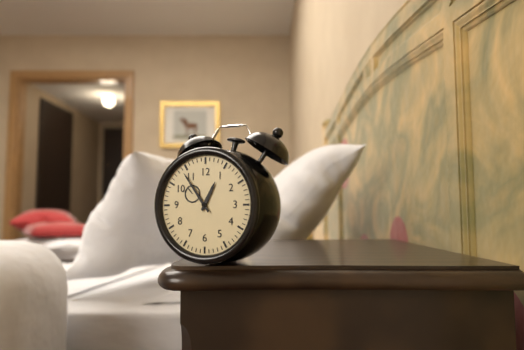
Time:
12.54
